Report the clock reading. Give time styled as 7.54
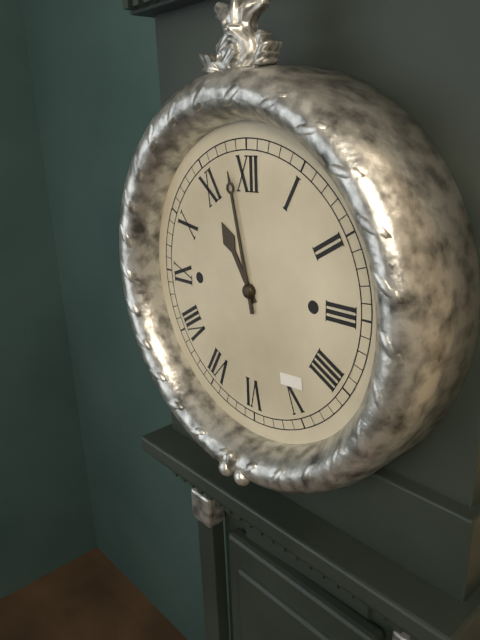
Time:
10.58
